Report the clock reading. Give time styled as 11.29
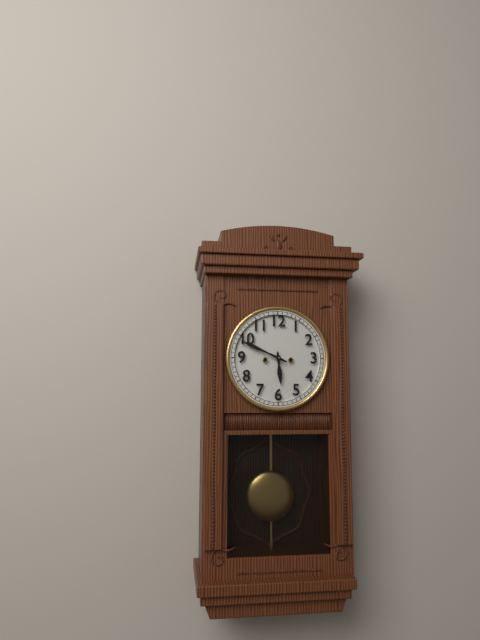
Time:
5.49
